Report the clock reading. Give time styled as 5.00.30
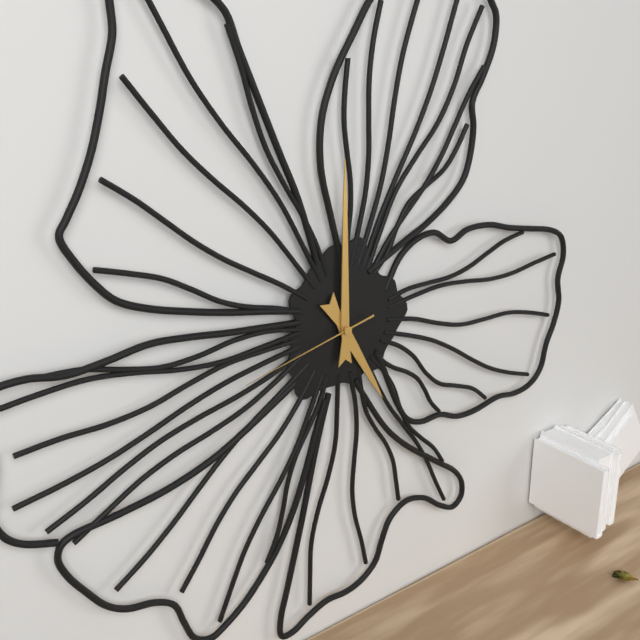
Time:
5.00.43
